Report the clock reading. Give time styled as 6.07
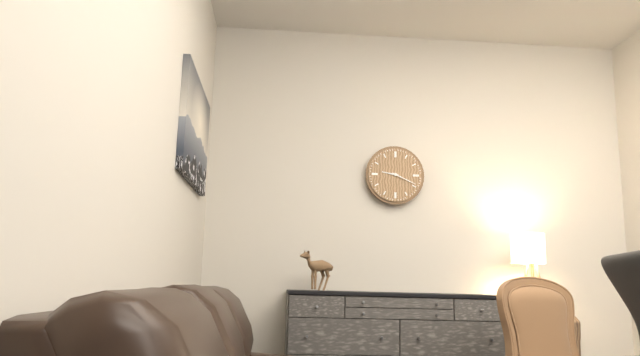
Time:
9.19
